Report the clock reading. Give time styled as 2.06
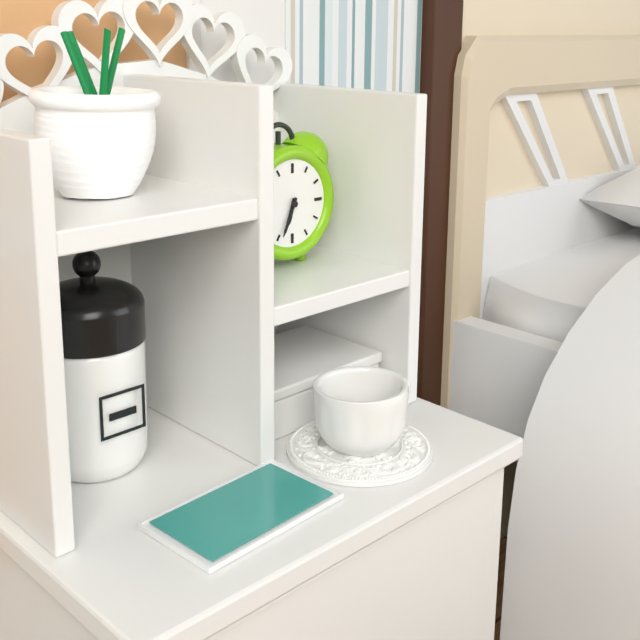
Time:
6.34
